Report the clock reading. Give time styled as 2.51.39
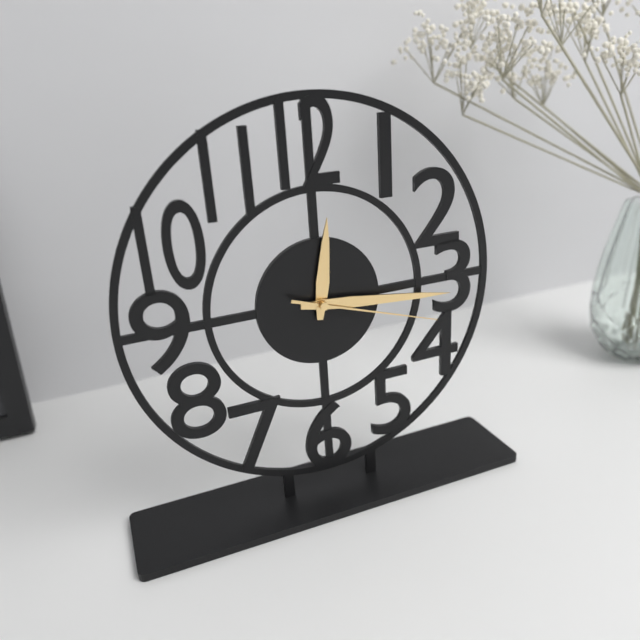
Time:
12.16.18
